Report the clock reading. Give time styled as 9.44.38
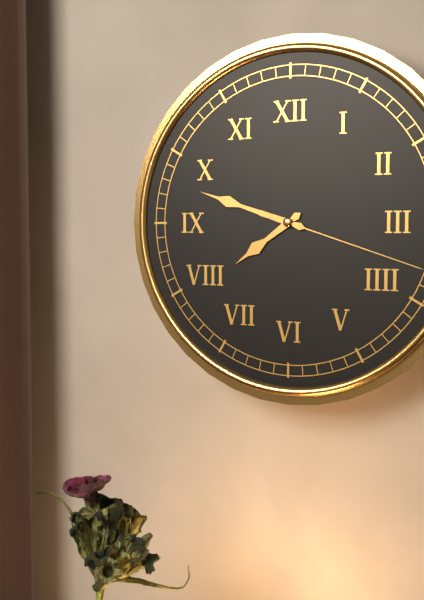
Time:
7.48.18
